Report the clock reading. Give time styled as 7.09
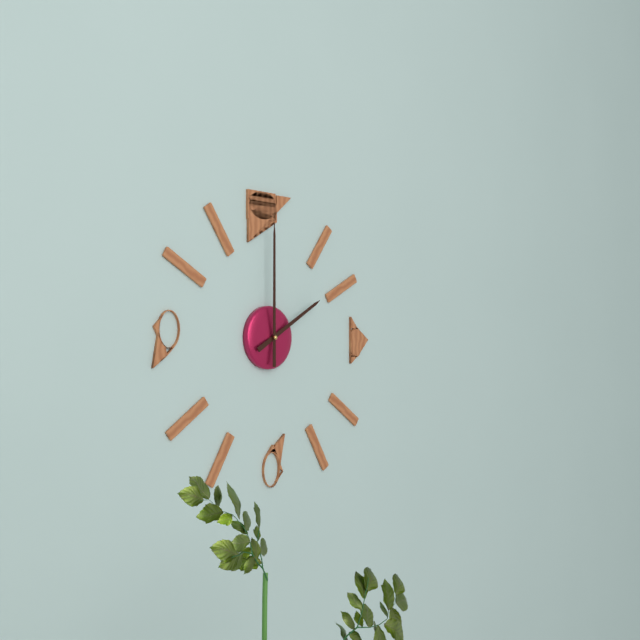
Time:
2.00
